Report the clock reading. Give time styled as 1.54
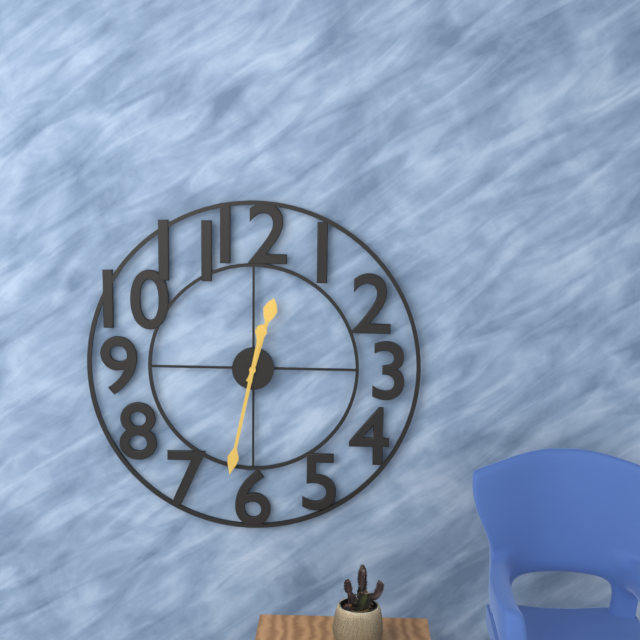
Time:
12.32
